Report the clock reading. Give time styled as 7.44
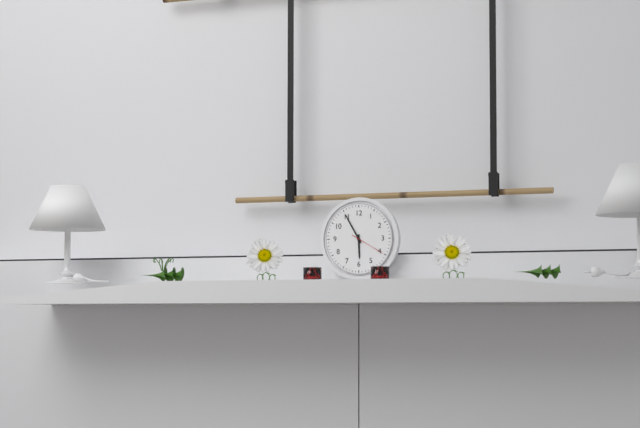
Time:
5.55
